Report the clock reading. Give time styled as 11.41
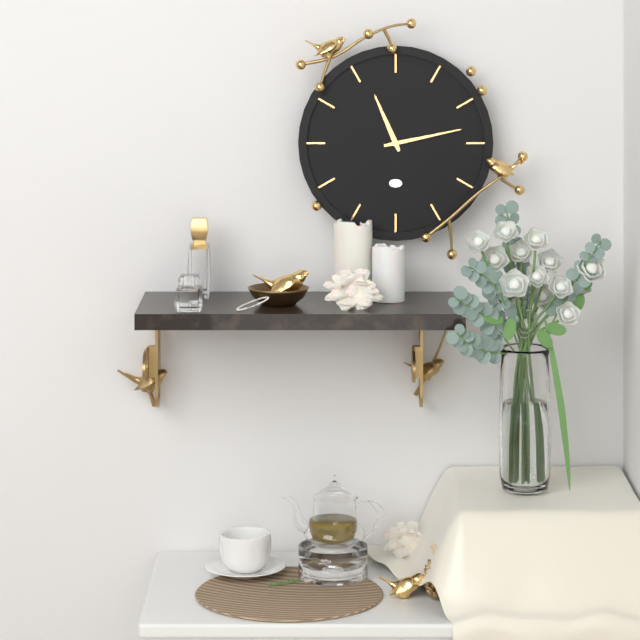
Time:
11.13
